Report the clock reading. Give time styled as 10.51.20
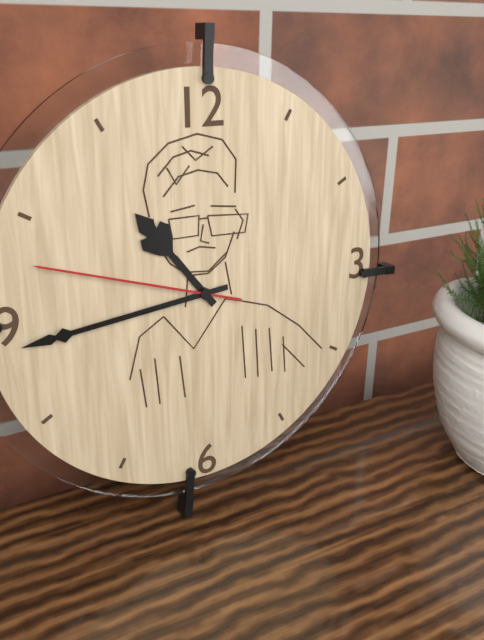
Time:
10.44.48
